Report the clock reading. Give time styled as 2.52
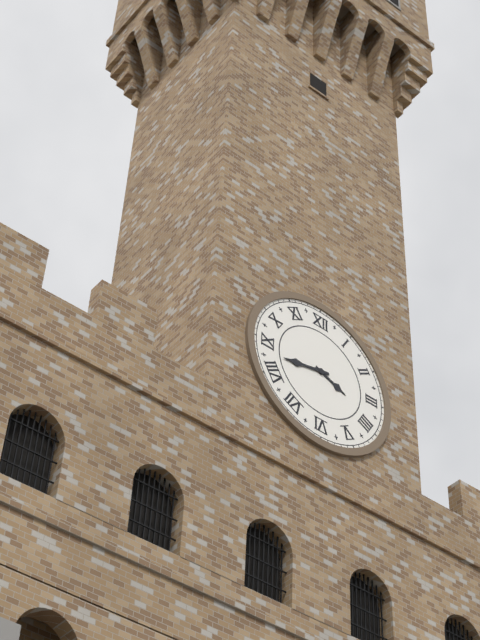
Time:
3.43
